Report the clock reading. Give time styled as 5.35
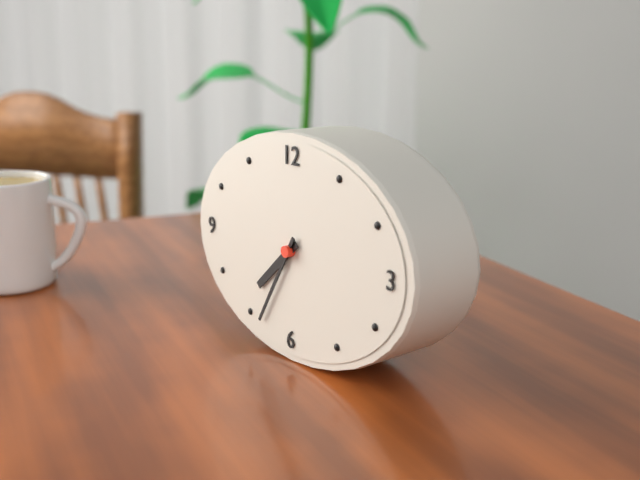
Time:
7.35
